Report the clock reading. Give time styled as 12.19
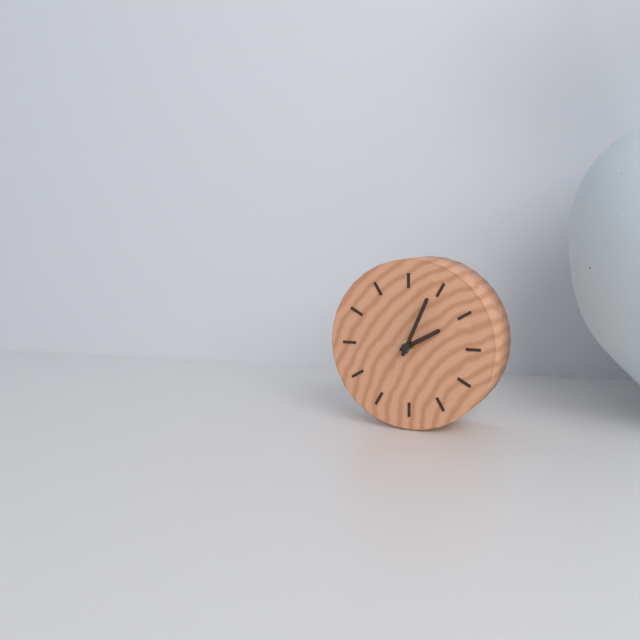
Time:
2.04
